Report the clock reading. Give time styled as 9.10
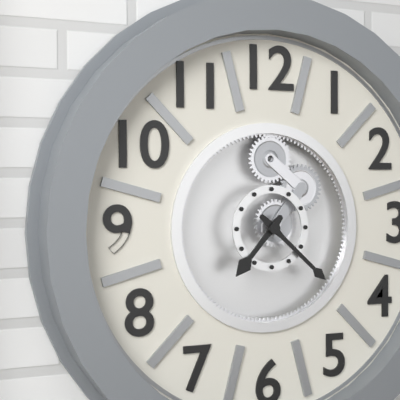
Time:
7.22
